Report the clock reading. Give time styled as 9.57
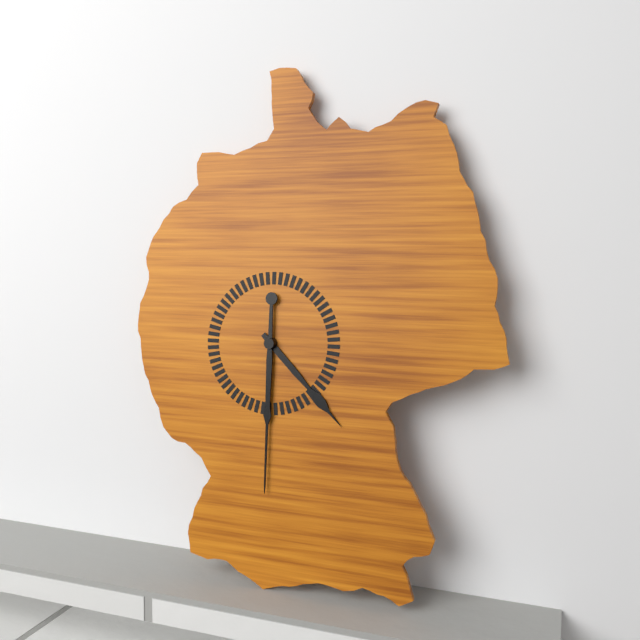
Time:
4.30
